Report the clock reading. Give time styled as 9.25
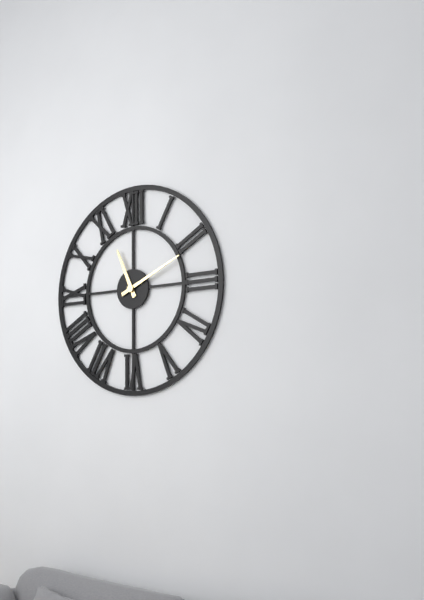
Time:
11.11
